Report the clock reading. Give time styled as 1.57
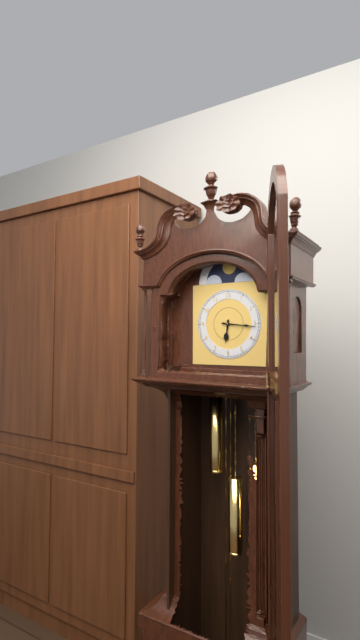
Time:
6.16
